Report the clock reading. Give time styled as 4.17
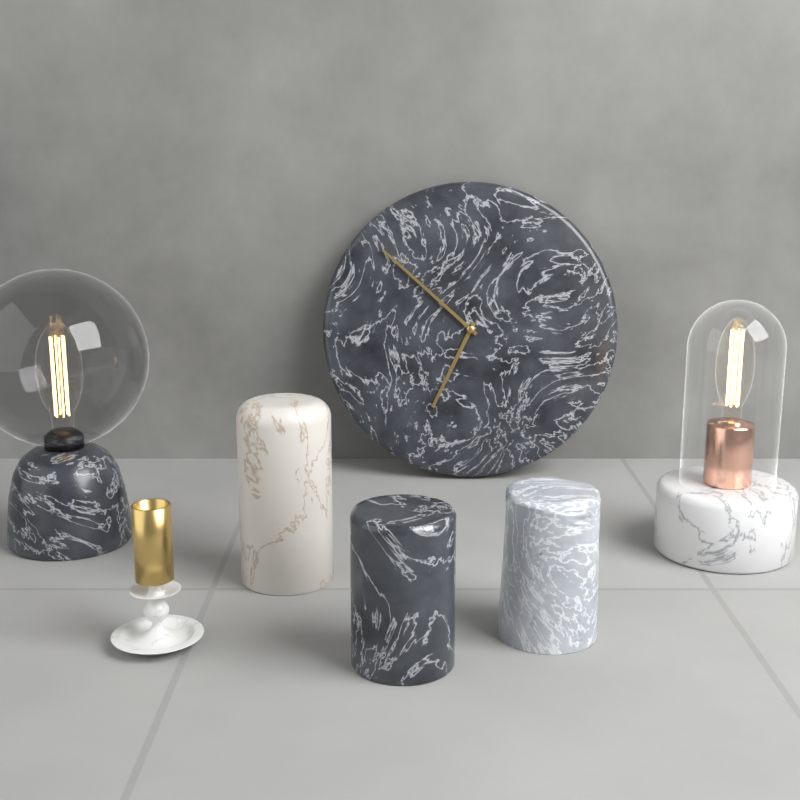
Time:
6.52
